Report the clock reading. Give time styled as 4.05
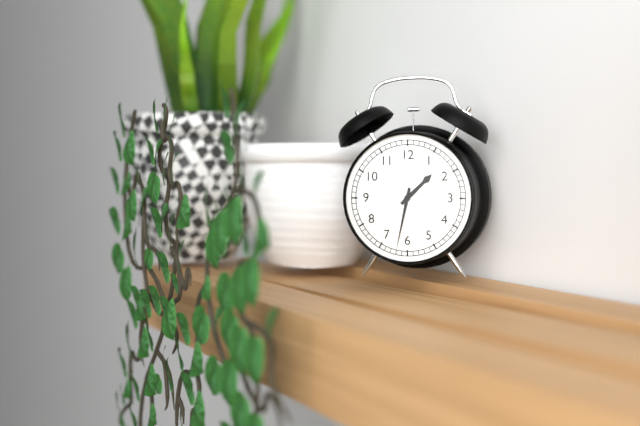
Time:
1.32
